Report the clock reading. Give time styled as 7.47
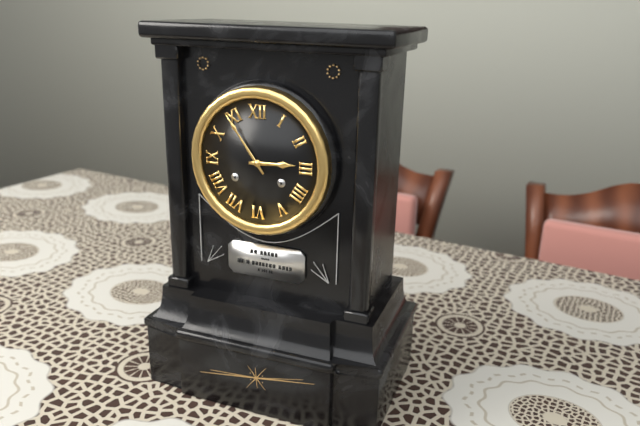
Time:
2.54
